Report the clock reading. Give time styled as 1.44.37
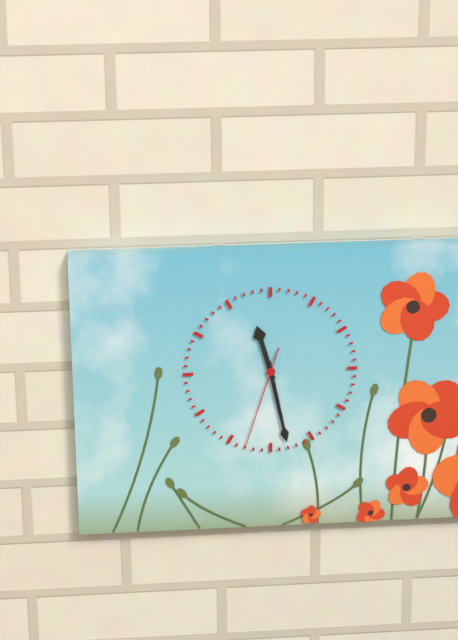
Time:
11.28.33
